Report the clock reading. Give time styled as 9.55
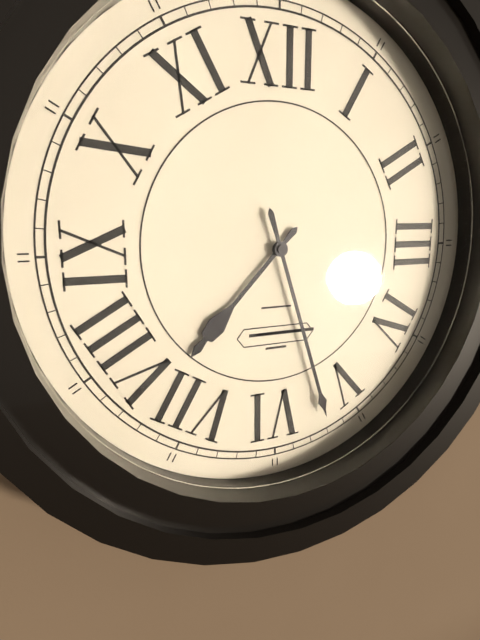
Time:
7.27
